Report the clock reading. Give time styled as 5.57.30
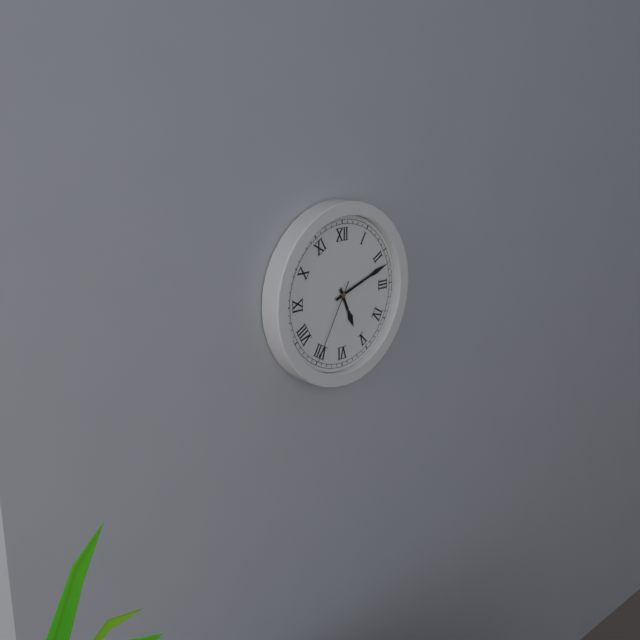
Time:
5.12.35
